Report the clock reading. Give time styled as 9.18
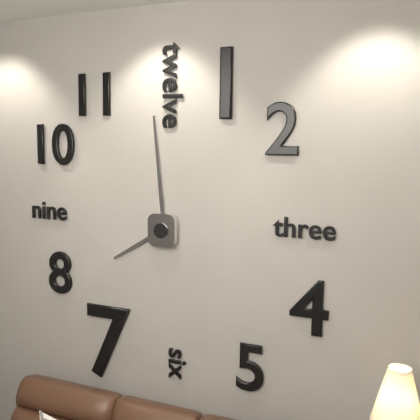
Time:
7.59
